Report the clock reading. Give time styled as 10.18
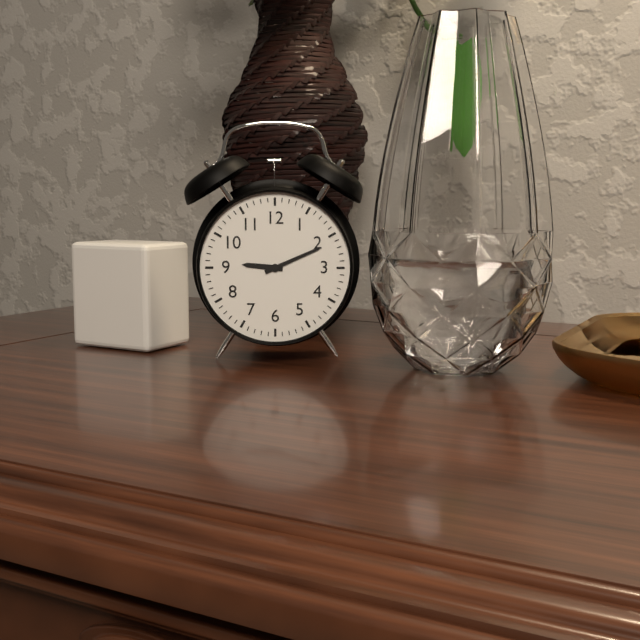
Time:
9.11
